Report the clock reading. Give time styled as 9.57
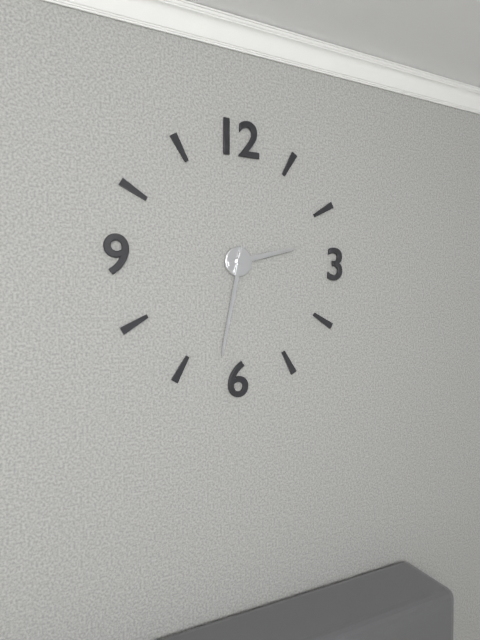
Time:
2.32
